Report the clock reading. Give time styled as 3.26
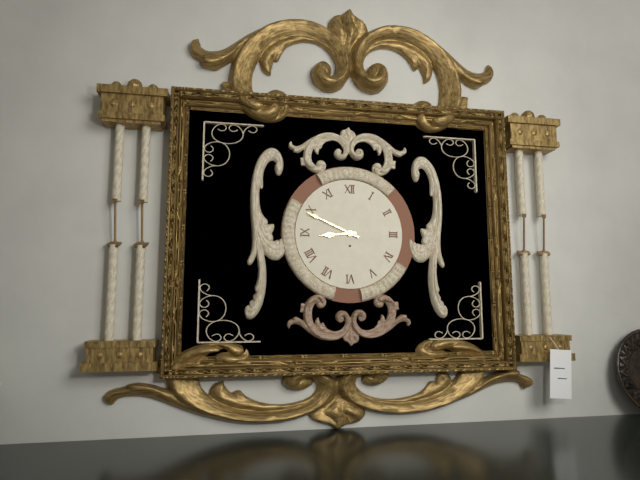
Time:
8.49
